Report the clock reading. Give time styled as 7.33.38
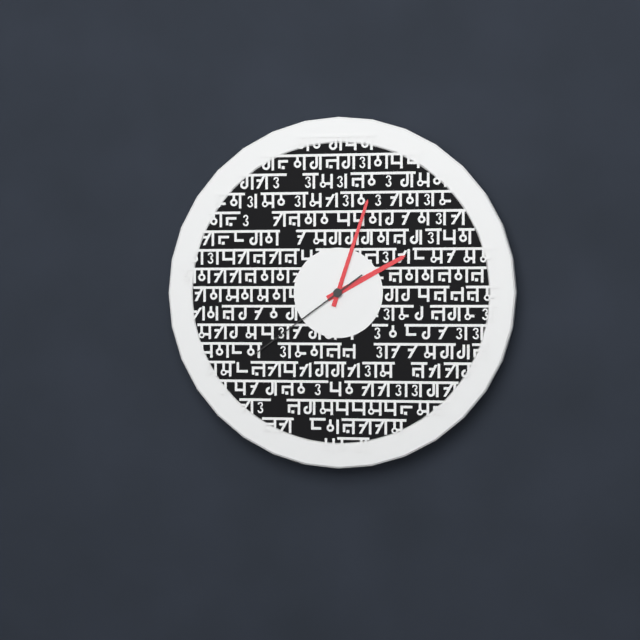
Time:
2.03.39
